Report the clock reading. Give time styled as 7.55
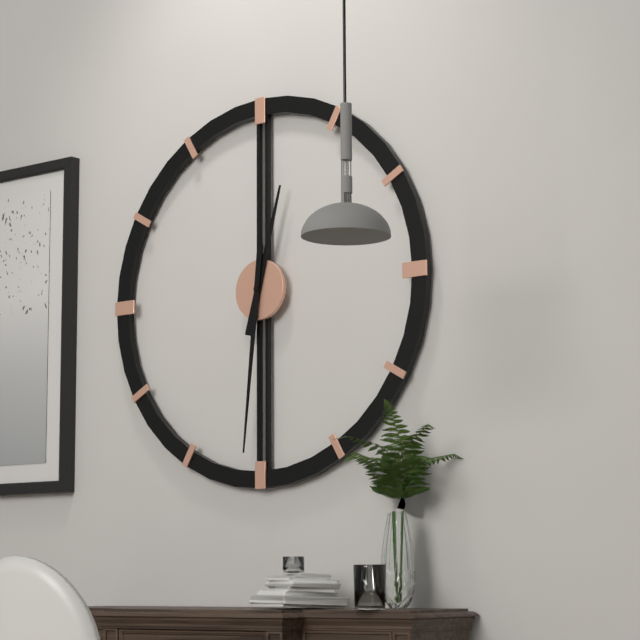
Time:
12.31
